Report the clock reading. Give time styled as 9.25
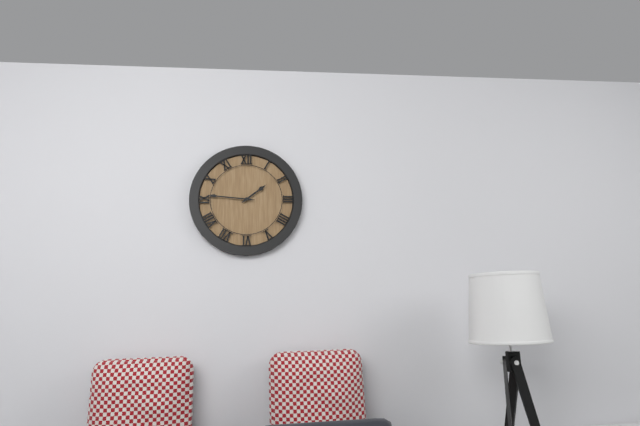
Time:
1.46
